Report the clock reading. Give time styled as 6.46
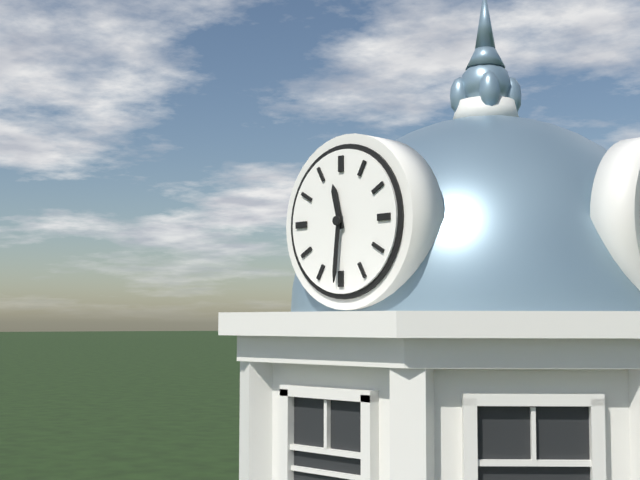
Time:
11.31
